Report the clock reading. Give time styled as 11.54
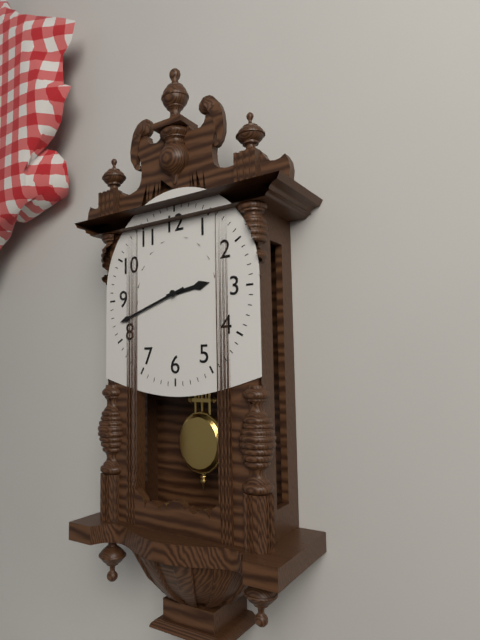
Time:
2.42
